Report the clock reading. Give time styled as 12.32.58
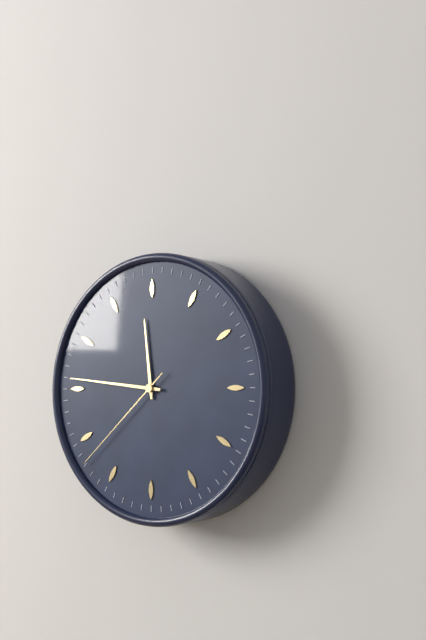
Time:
11.46.38
